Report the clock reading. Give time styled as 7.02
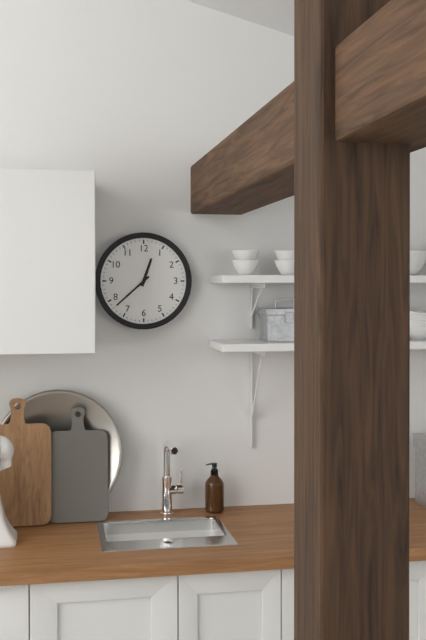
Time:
12.38
